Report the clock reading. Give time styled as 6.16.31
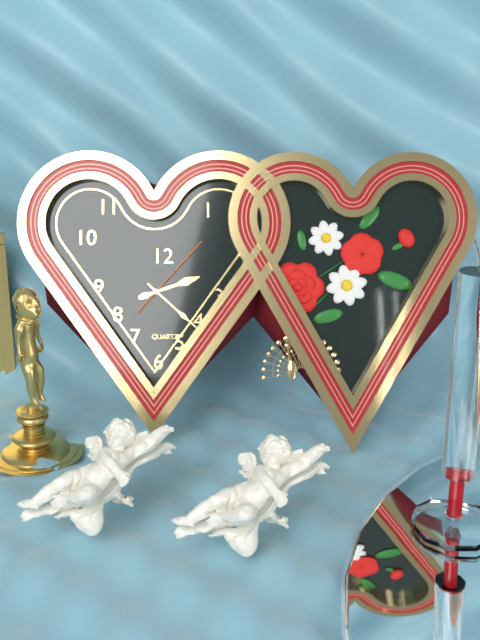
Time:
2.22.07
